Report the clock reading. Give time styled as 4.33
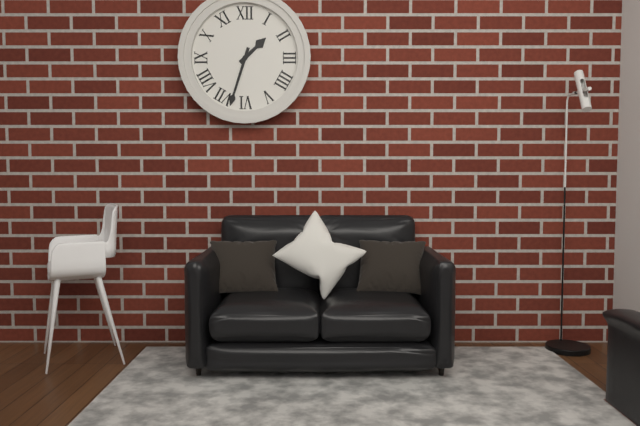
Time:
1.33
